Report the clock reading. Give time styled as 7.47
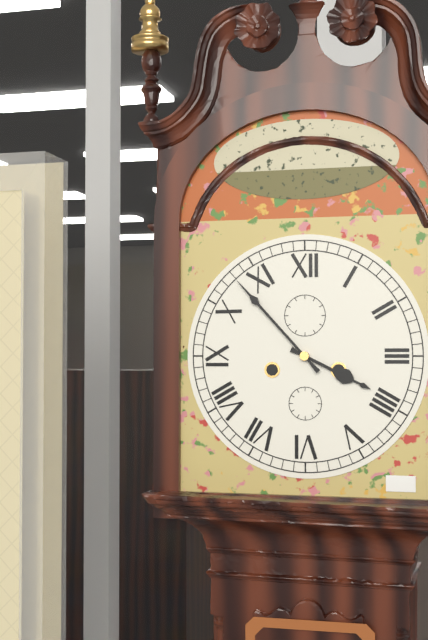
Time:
3.53
